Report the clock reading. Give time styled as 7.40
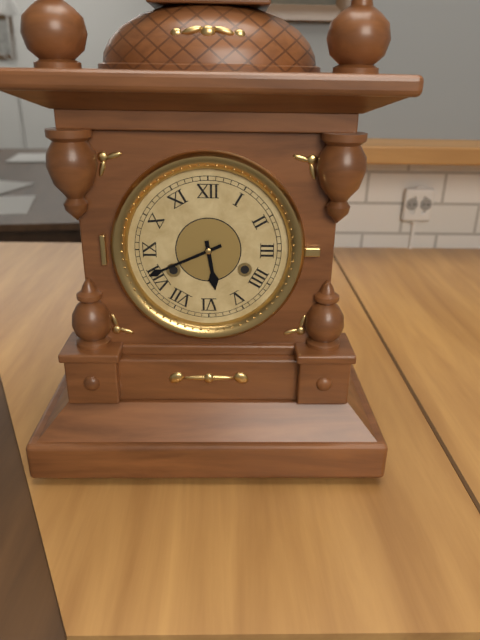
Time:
5.41
